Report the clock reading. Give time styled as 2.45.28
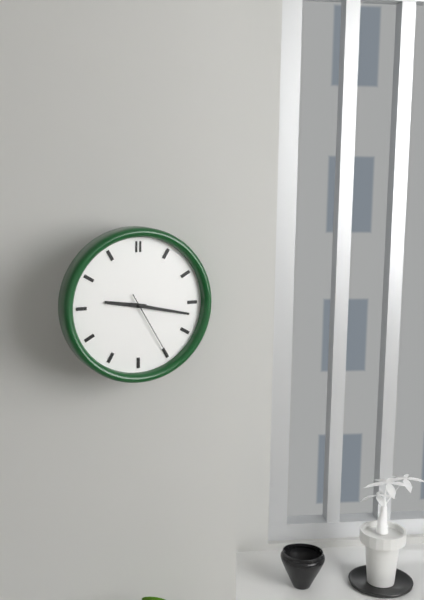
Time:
9.17.25
